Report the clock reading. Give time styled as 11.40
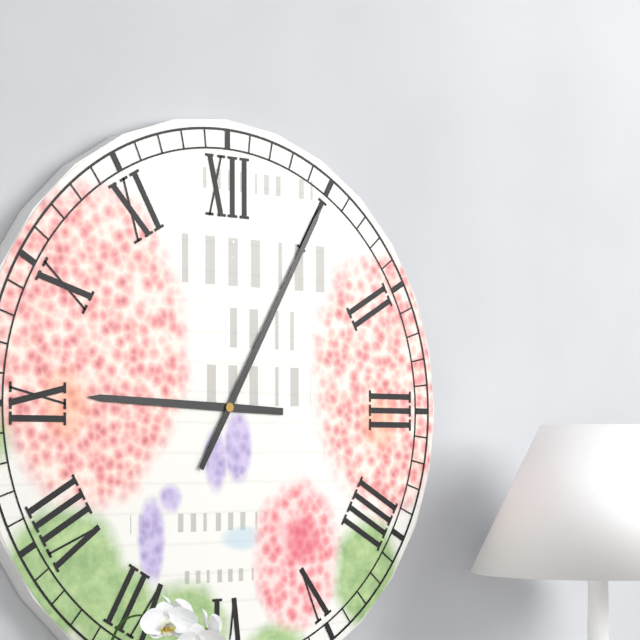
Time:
9.05
